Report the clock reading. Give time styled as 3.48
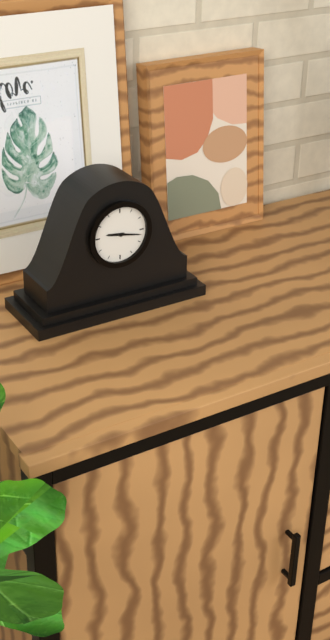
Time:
9.17
